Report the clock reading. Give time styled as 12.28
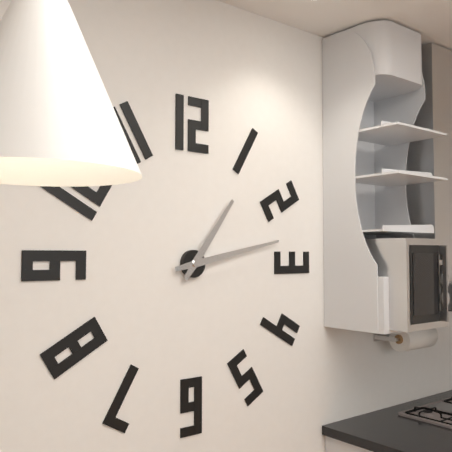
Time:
1.13
